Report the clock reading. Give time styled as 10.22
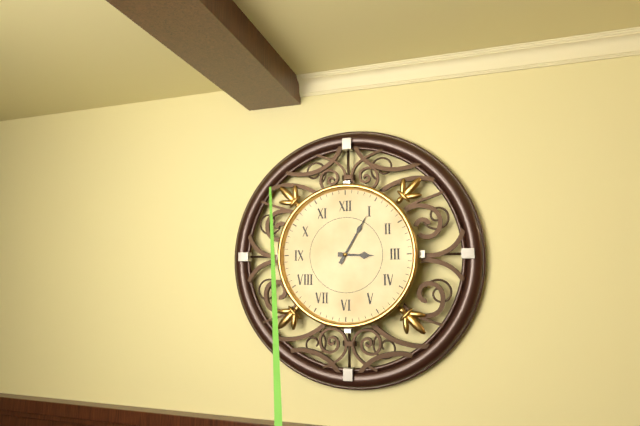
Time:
3.05
